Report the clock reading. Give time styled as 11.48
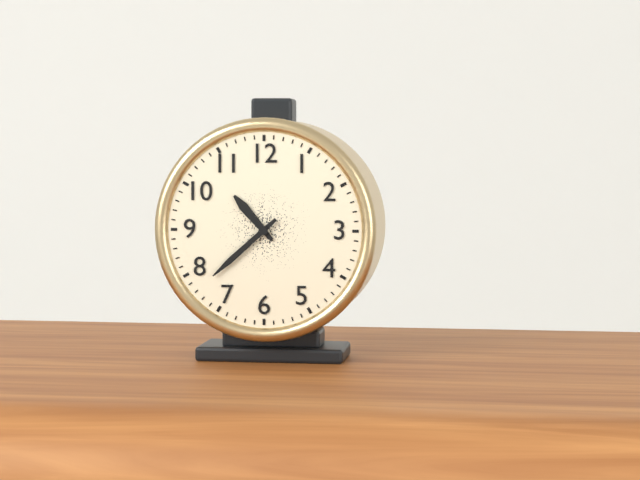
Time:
10.38
